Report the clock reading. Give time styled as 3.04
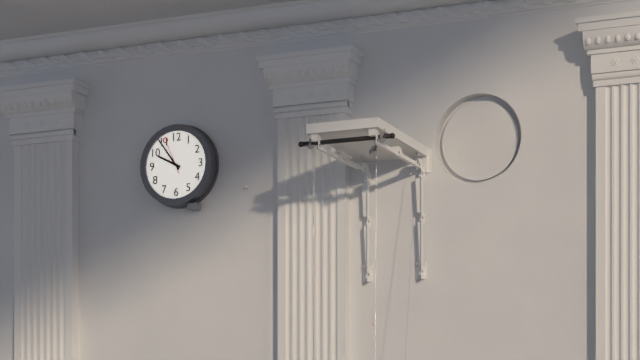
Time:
9.54
